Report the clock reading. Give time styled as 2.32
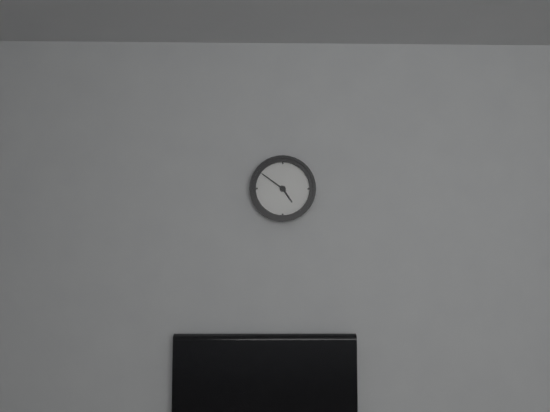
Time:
4.51
